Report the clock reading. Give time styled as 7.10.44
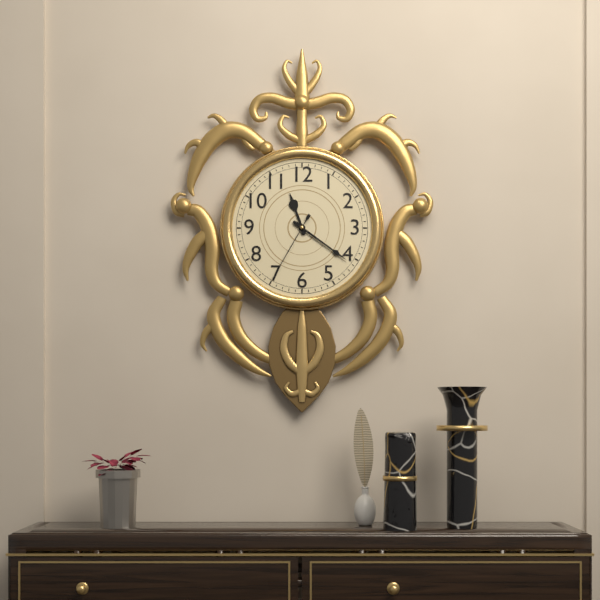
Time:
11.21.35
